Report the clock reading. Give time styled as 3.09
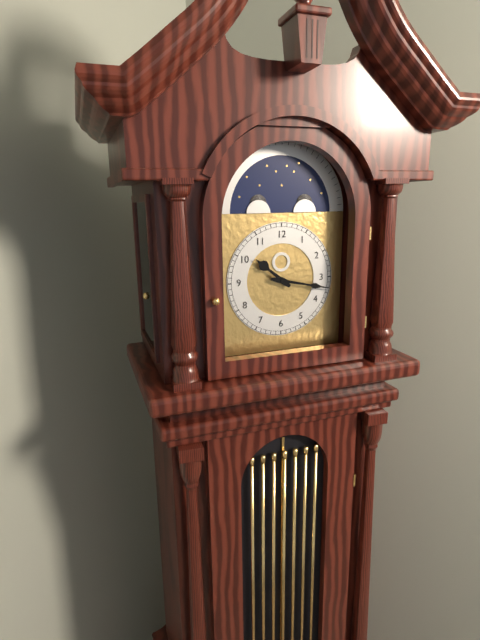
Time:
10.17
